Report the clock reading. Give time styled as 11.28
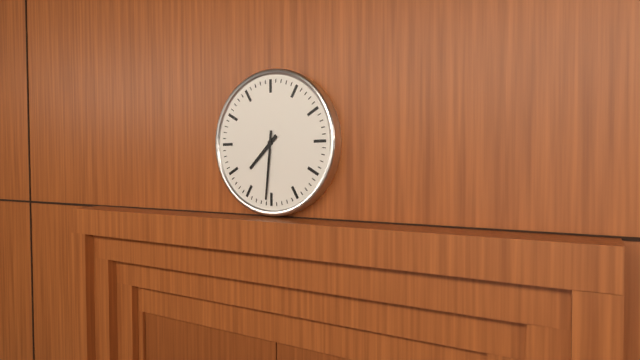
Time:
7.31
